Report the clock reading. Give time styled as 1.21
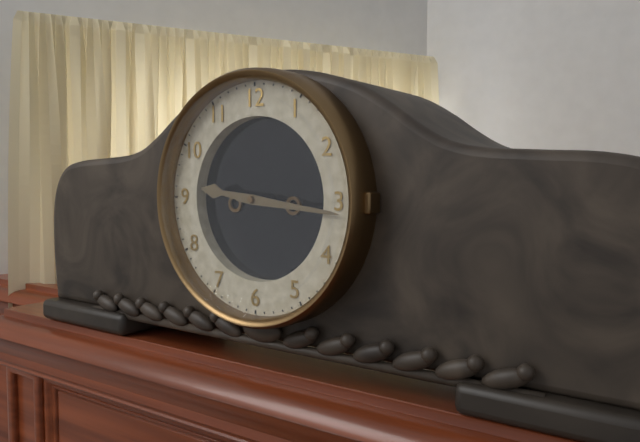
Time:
9.16
